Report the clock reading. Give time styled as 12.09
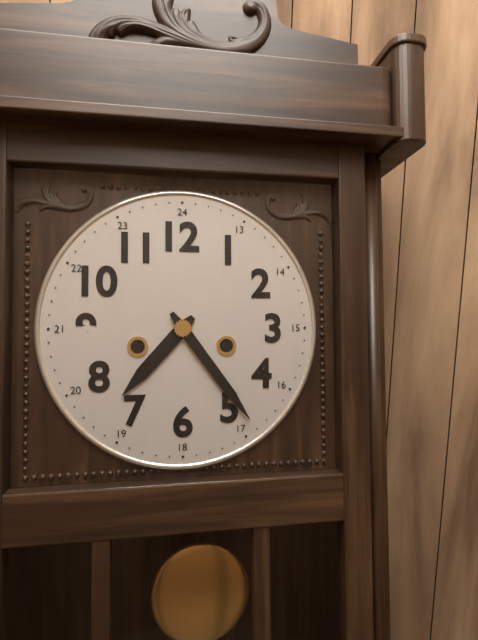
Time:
7.24
